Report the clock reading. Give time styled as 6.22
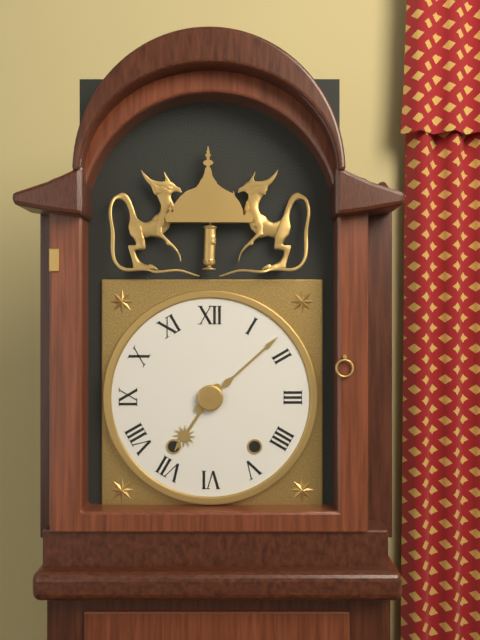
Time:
7.08
